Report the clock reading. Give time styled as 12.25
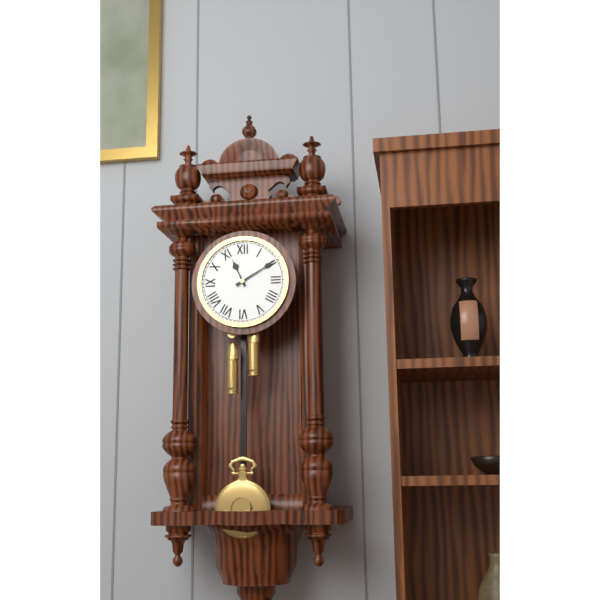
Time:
11.10
